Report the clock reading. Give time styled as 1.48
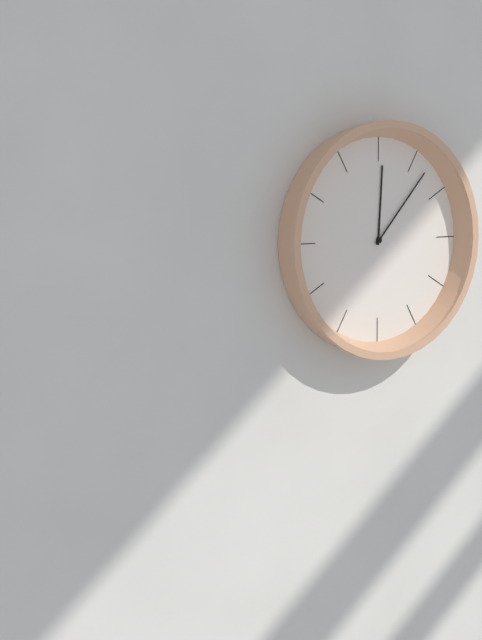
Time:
12.07
